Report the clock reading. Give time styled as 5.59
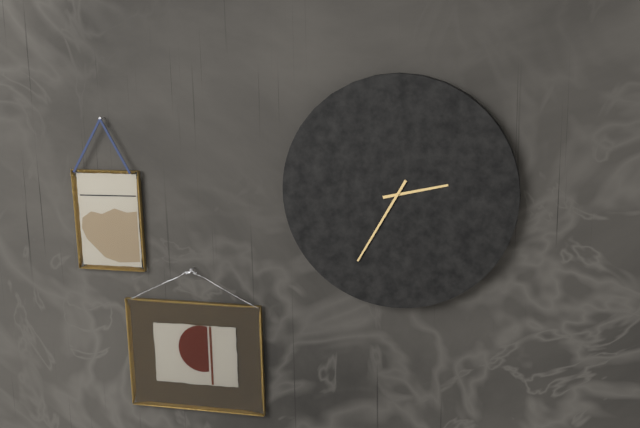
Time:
2.35
